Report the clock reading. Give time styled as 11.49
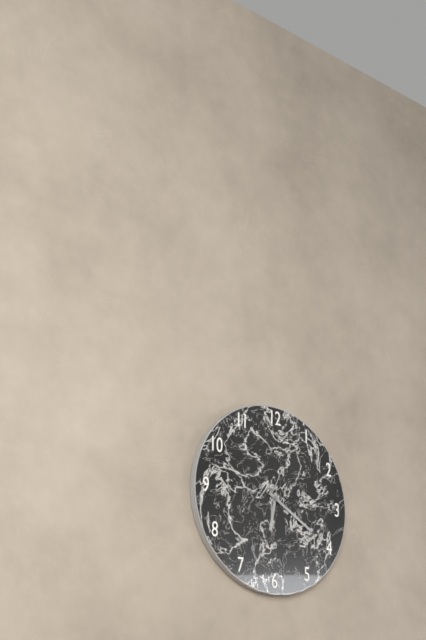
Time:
6.20
